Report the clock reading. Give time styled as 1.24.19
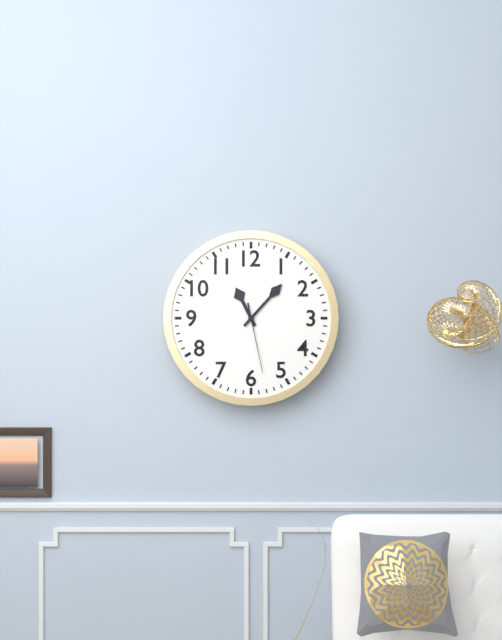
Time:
11.07.28
